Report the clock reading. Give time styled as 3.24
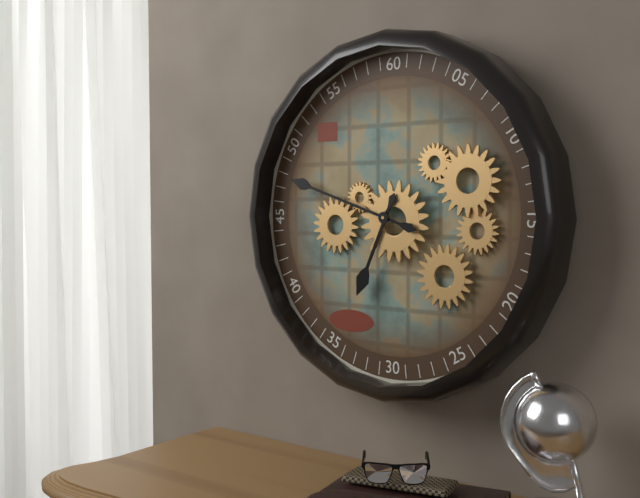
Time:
6.48
